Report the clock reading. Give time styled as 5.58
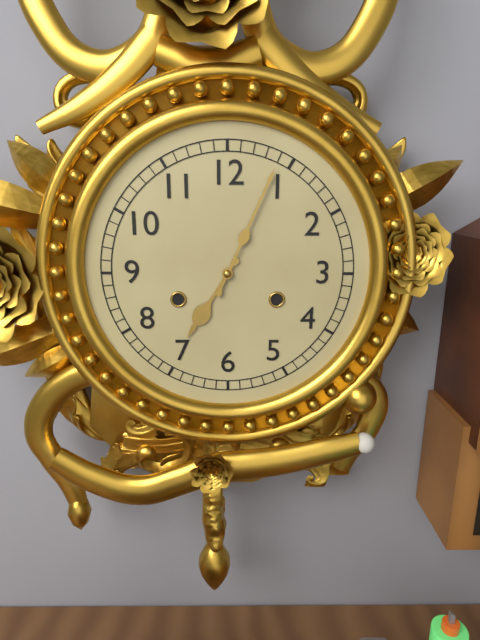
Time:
7.04
